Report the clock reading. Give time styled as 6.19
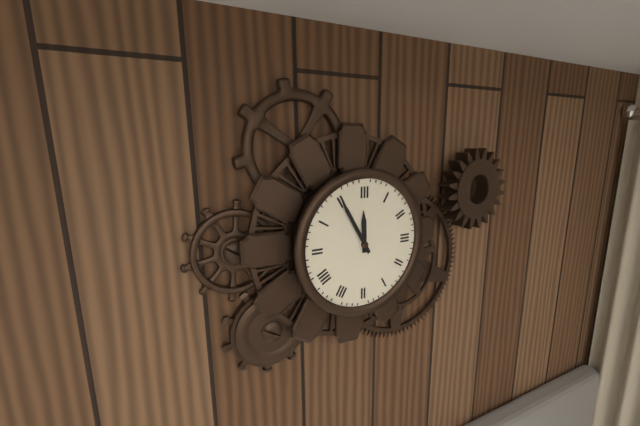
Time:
11.55
